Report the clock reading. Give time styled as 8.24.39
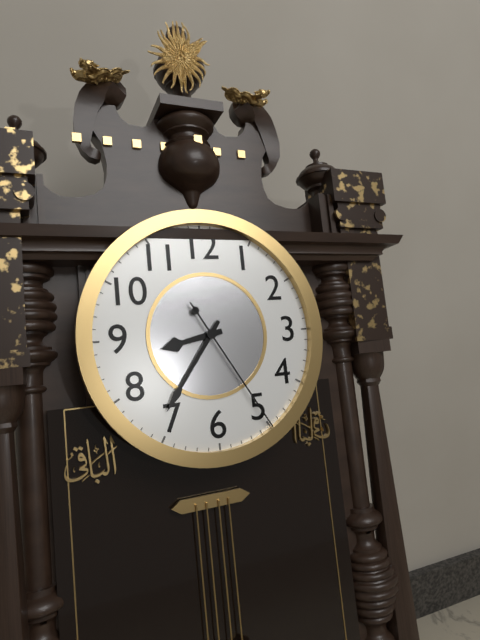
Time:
8.36.25
